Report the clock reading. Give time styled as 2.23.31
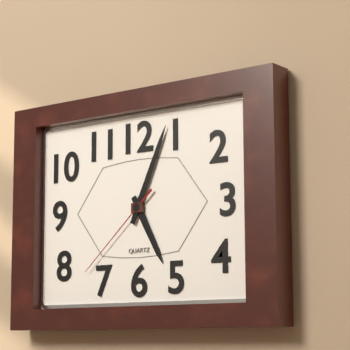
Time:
5.04.38
